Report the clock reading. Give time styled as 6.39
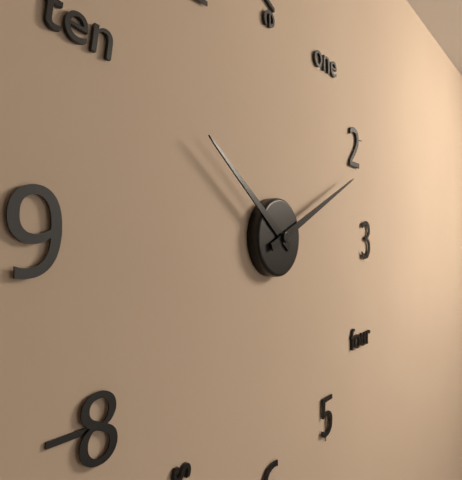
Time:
10.11
